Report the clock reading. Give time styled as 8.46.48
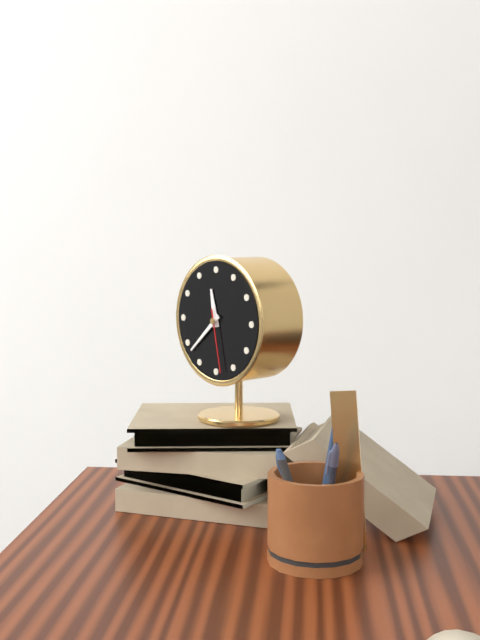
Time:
11.38.28
